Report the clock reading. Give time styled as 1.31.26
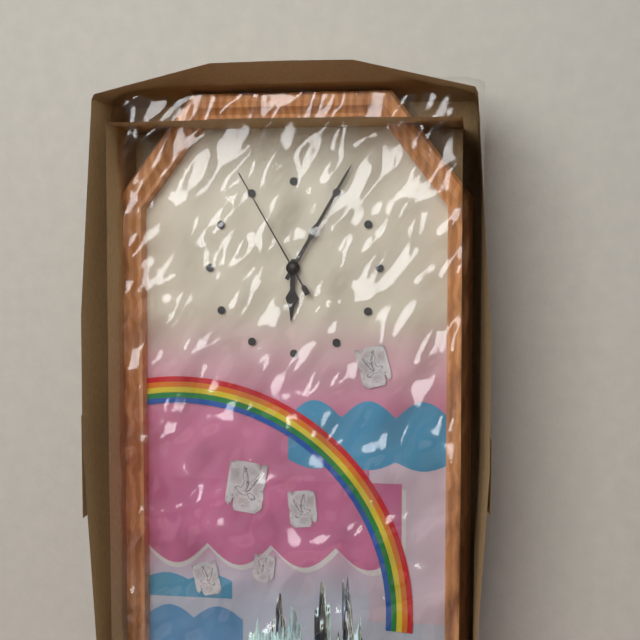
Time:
6.05.55
